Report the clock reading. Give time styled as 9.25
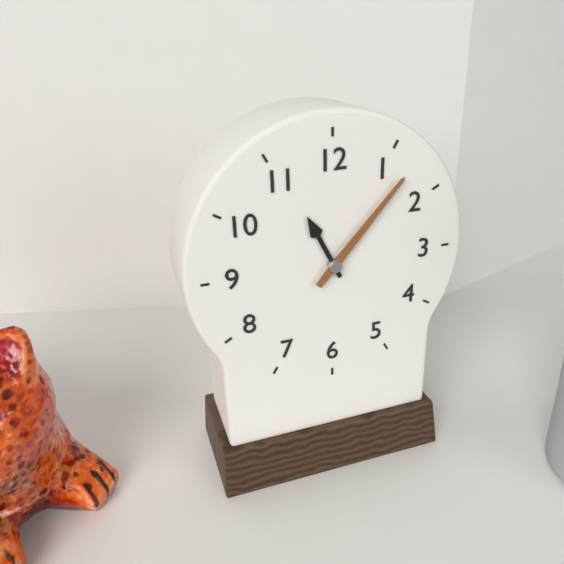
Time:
11.07
